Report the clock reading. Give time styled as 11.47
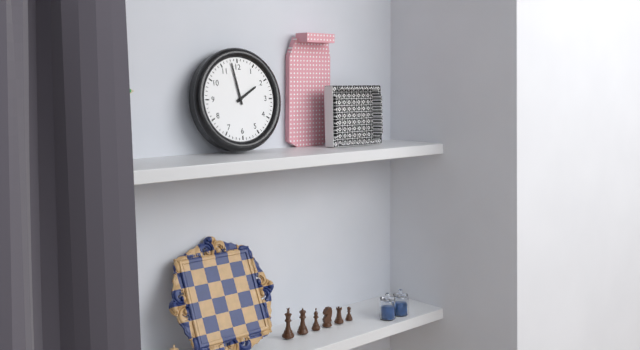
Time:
1.58
